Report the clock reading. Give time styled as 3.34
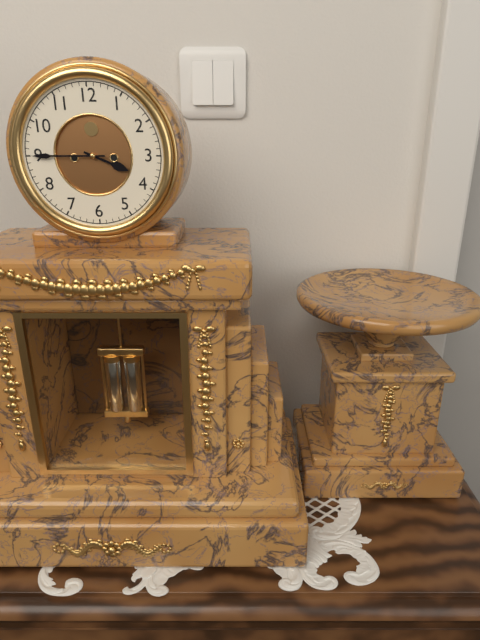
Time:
3.45
